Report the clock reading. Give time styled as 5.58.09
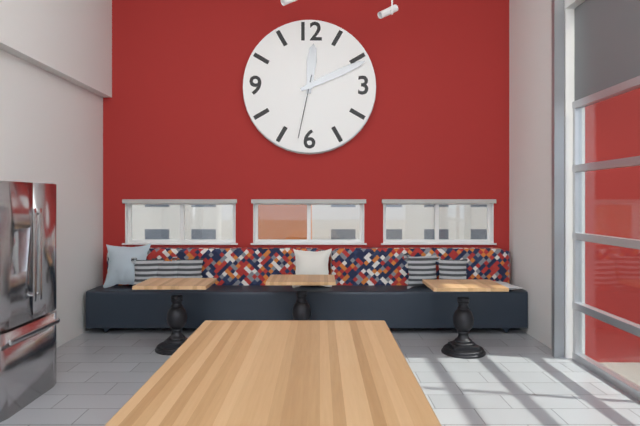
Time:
12.11.32
